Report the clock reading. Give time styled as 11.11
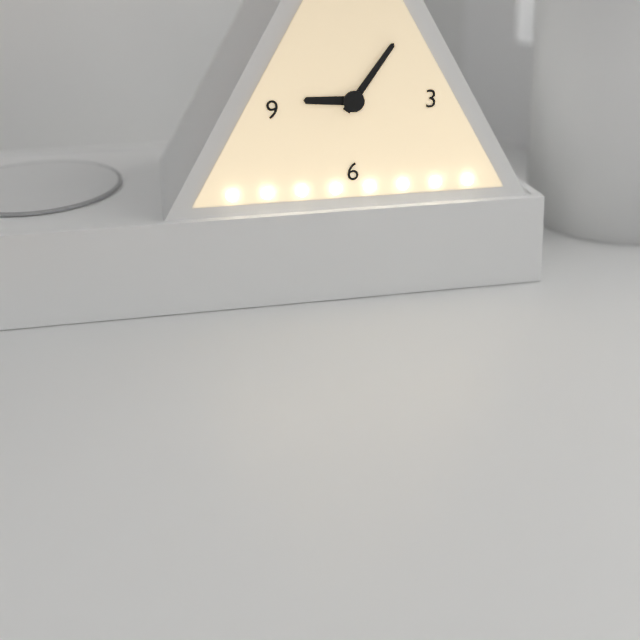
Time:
9.06
